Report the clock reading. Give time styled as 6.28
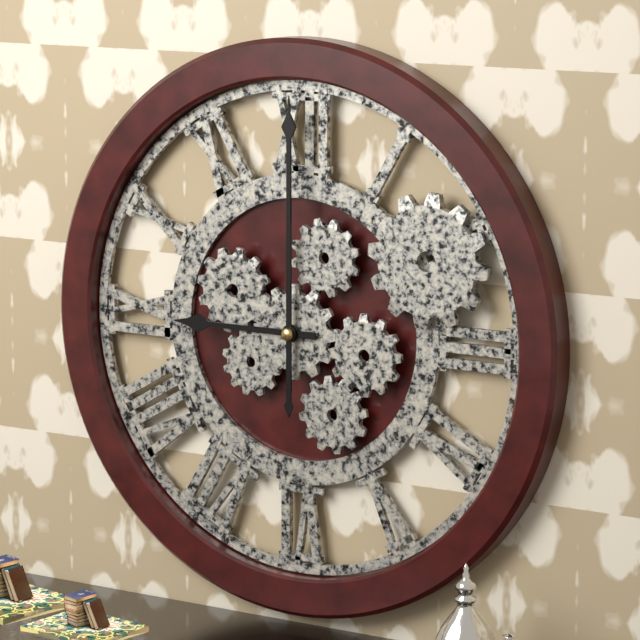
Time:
9.00
